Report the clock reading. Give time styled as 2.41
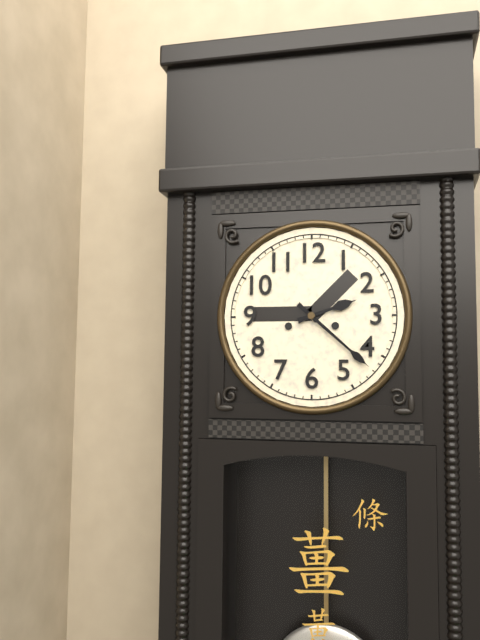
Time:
2.22
